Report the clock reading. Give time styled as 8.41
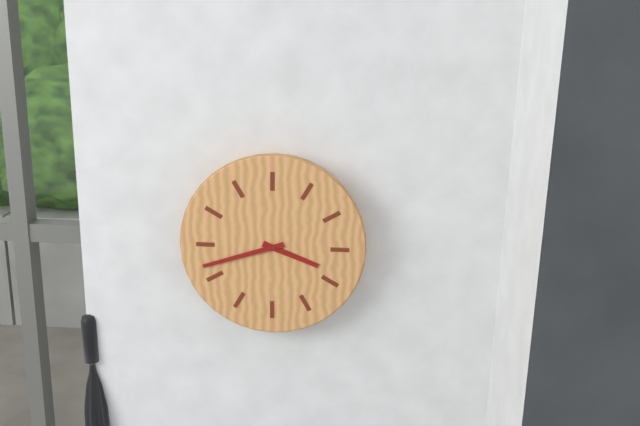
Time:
3.42
